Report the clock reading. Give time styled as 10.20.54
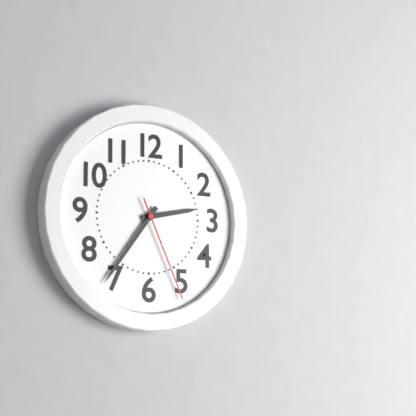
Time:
2.36.26
